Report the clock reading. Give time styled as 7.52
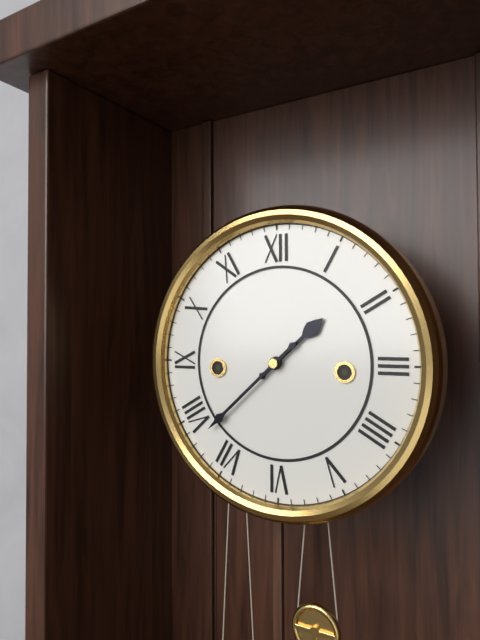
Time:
1.38
